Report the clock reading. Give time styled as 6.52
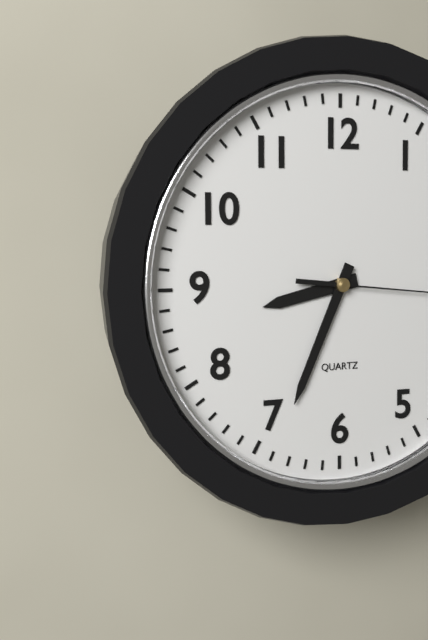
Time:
8.34
